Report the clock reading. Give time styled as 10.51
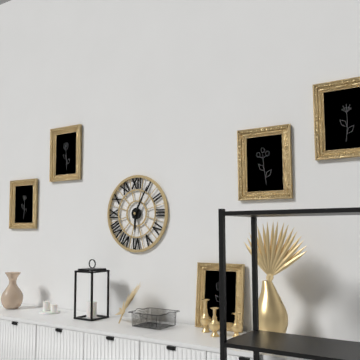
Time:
6.05
